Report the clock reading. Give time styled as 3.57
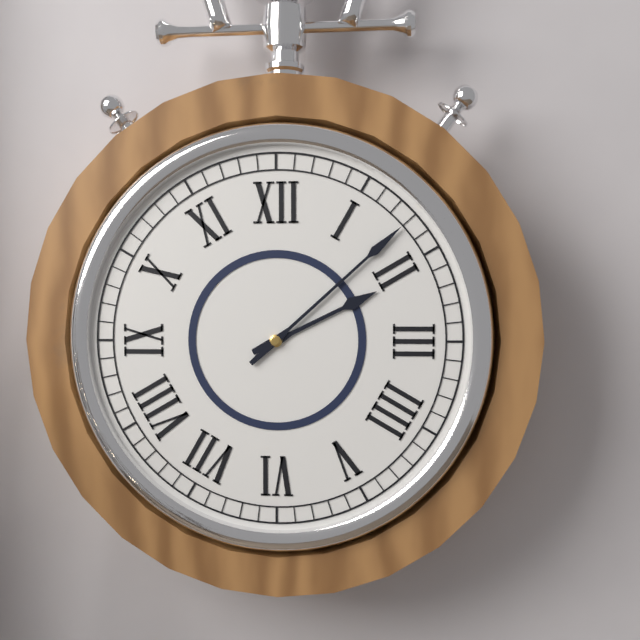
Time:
2.08
